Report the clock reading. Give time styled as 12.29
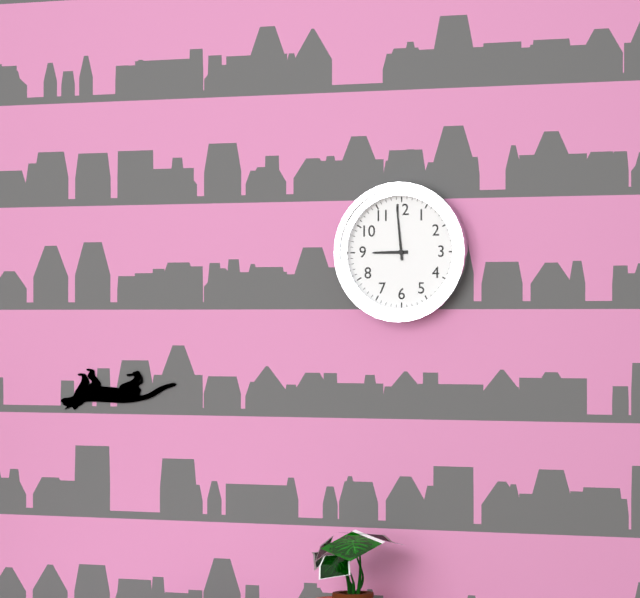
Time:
8.59
